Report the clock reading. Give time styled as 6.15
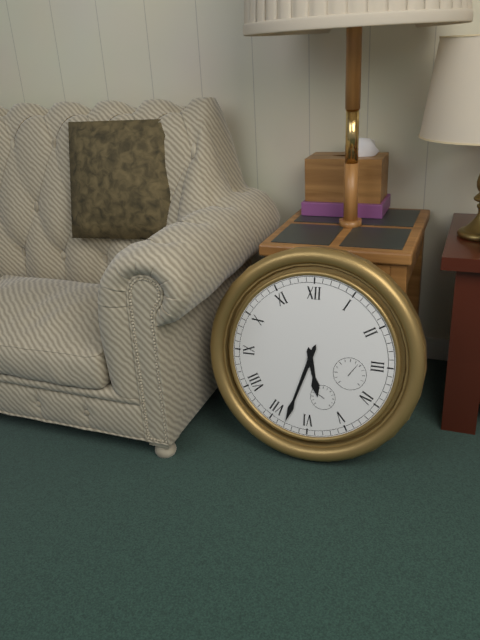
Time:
5.33
